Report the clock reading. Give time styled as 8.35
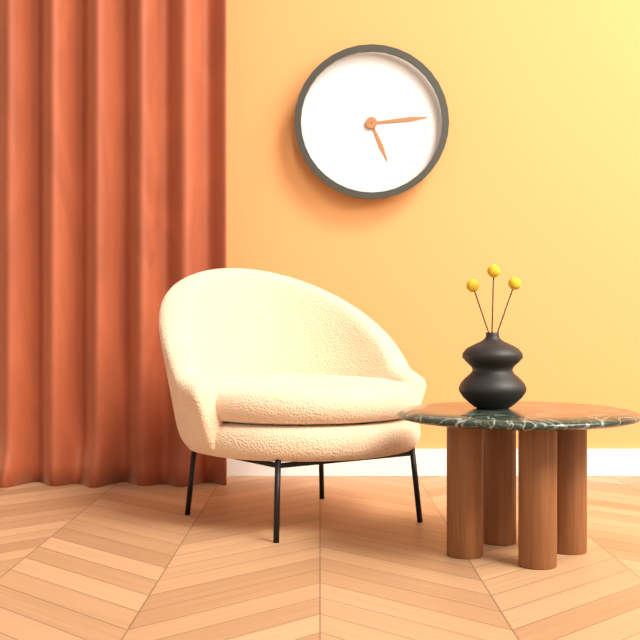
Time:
5.14
